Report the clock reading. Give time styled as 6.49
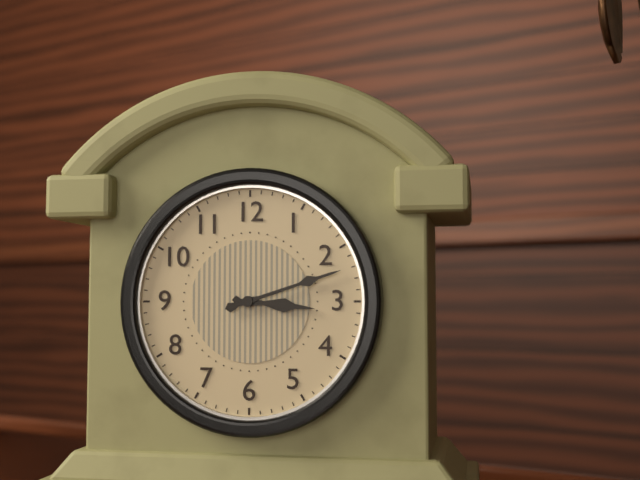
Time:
3.12
